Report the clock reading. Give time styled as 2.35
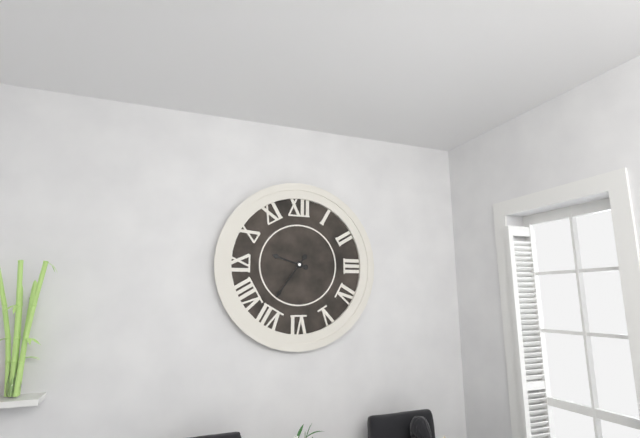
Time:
9.36
